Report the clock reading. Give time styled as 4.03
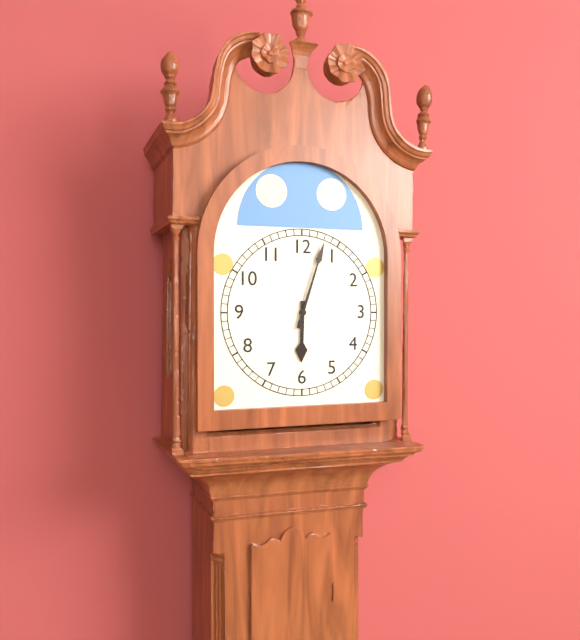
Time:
6.03
